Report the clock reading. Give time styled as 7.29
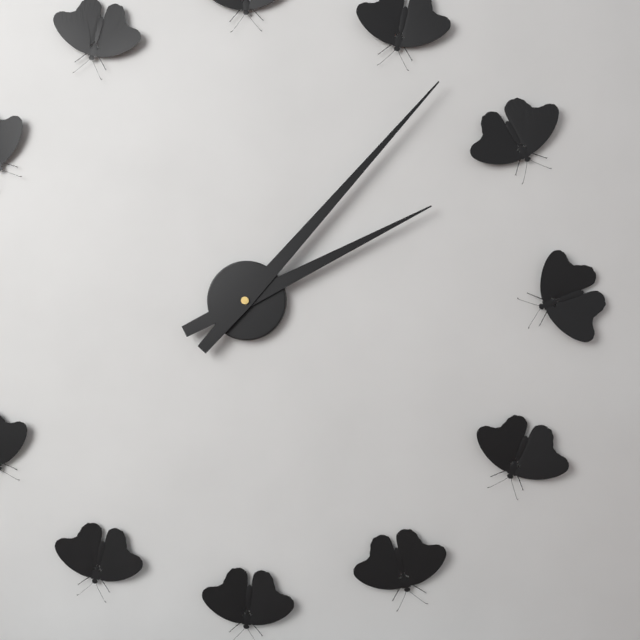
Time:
2.07
